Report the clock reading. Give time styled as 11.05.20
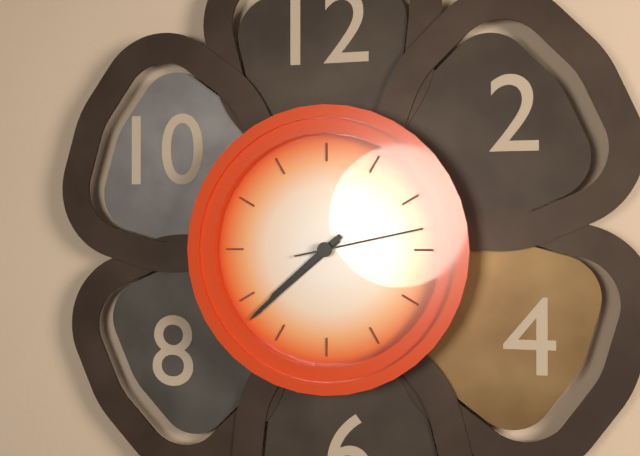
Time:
7.38.13
